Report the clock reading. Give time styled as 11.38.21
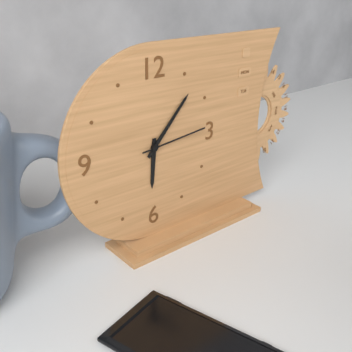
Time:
6.07.14
